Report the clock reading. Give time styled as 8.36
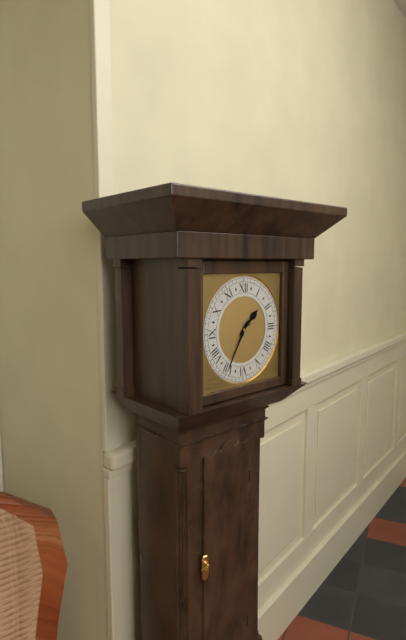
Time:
1.35
